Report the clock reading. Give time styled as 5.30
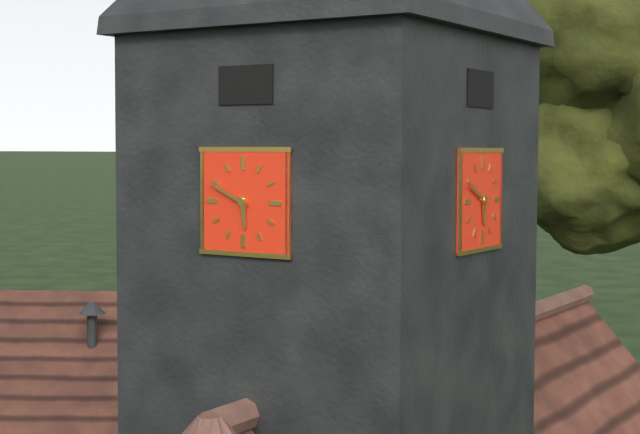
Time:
5.49
